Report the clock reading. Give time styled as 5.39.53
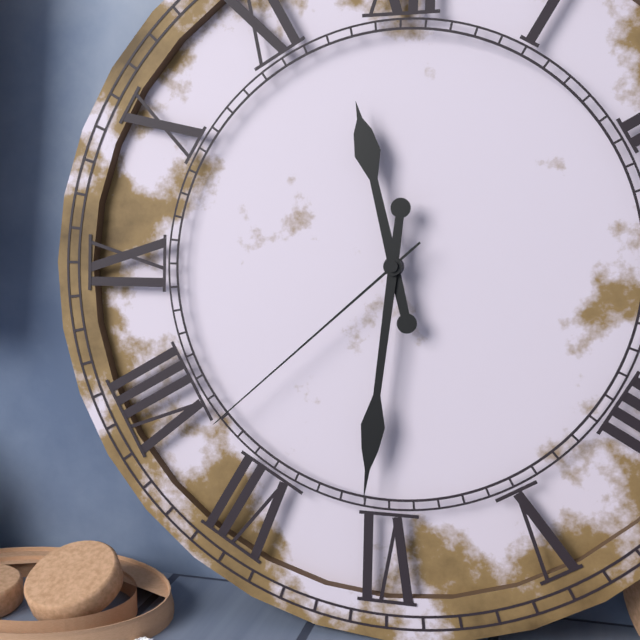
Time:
11.31.38
